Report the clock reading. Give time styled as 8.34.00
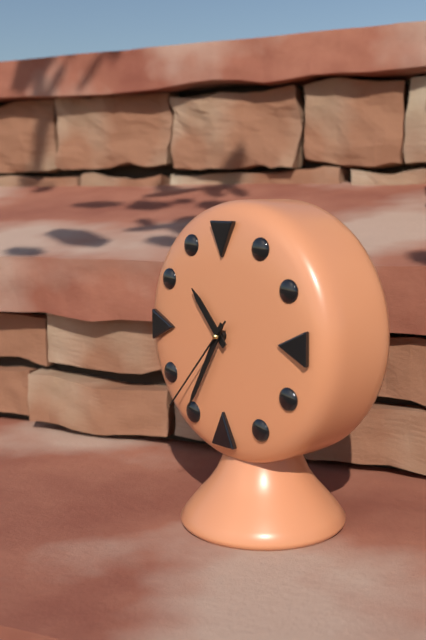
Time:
10.35.37
